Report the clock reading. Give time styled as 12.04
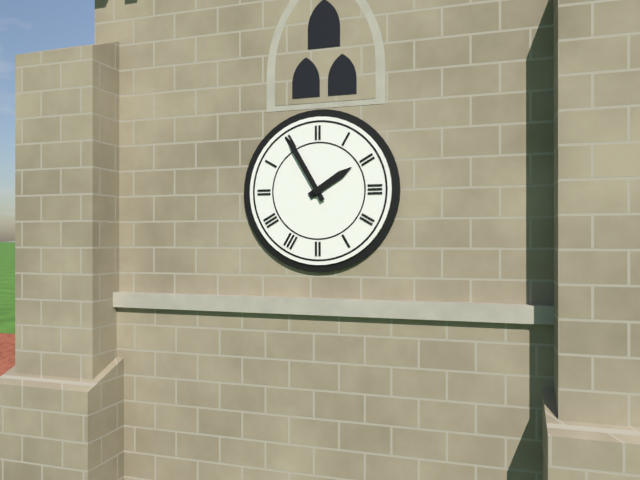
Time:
1.55
